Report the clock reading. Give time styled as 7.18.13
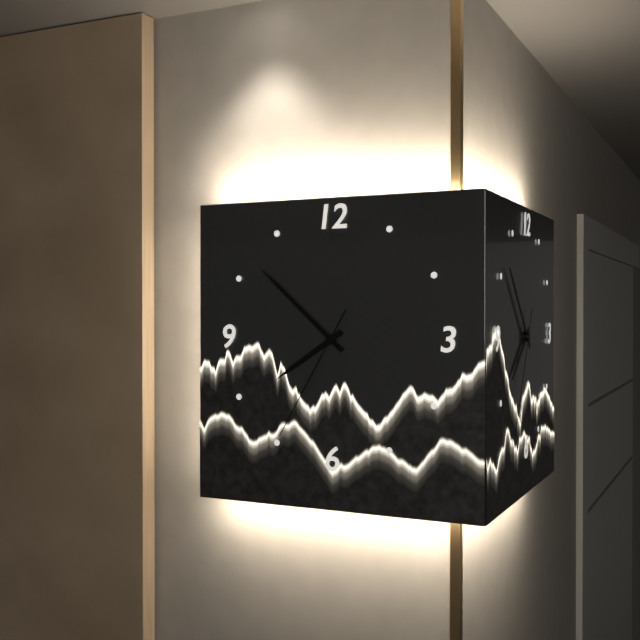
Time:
7.52.35
